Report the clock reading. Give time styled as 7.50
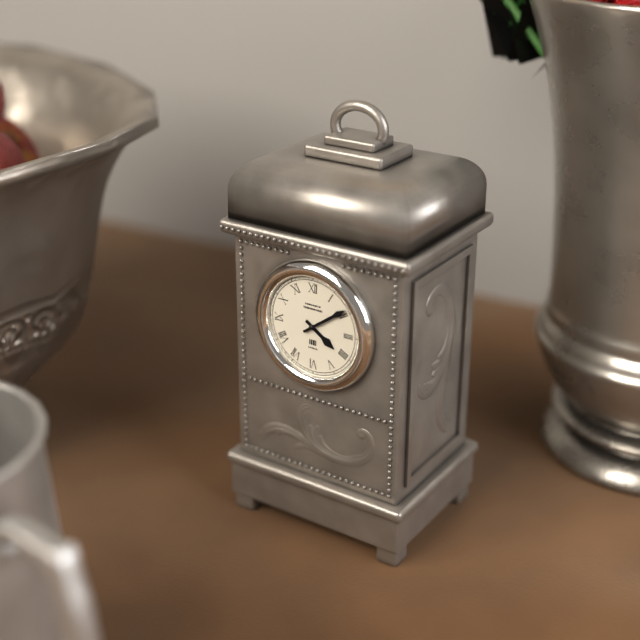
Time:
4.09
